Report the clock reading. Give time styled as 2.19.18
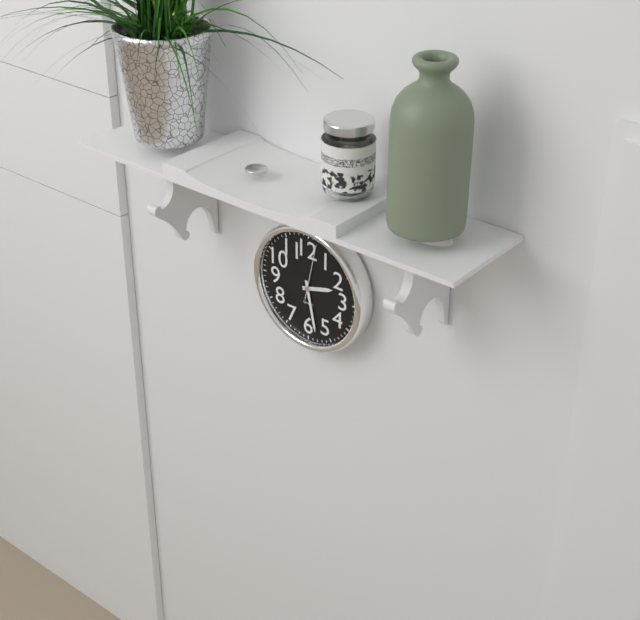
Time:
2.28.02
